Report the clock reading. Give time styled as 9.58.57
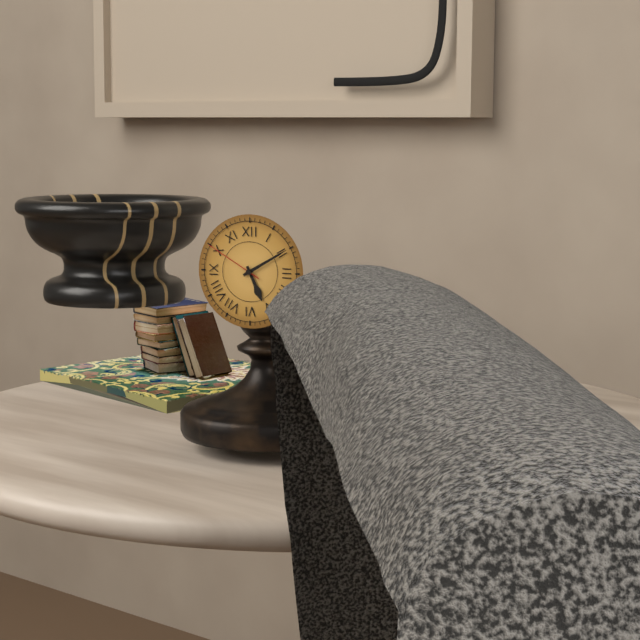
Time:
5.10.50
